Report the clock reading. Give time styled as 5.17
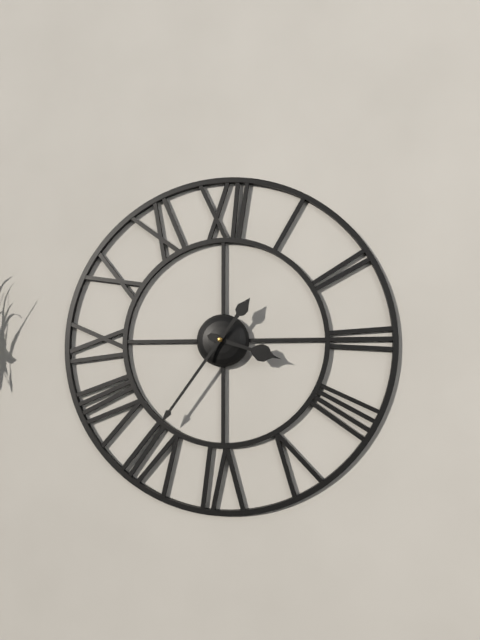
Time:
3.36
